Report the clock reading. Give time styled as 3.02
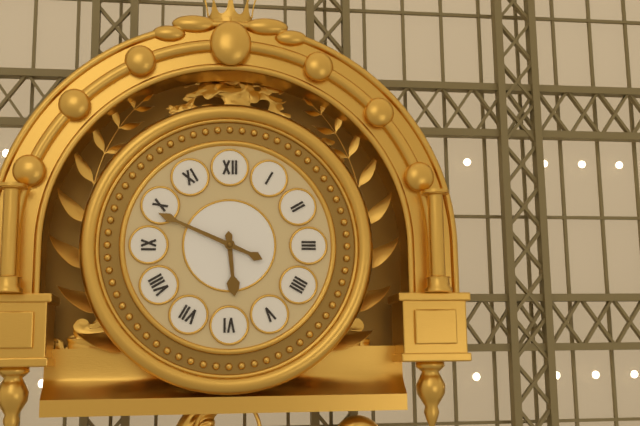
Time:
5.49
